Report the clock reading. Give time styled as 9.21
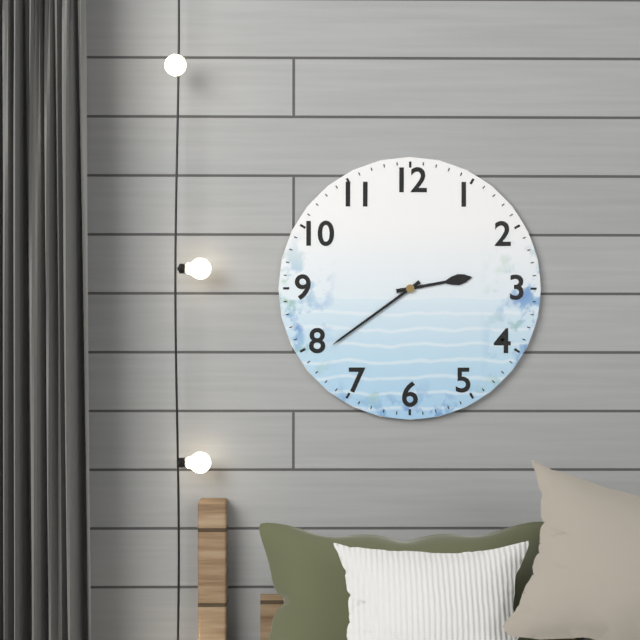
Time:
2.39
